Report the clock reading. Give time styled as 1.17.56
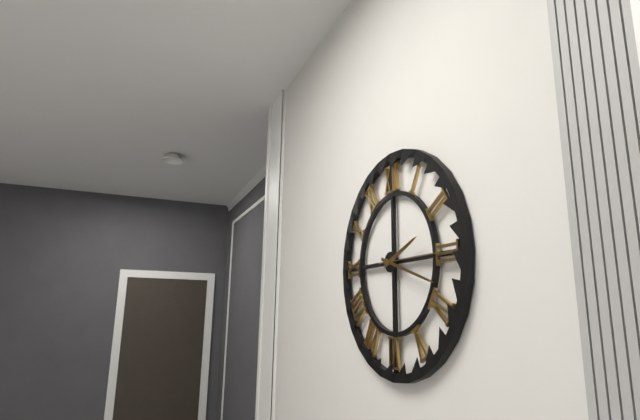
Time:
2.18.15
